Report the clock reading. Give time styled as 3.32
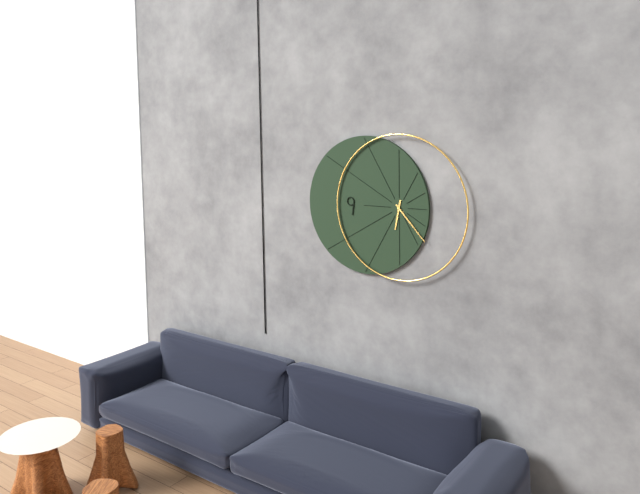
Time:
6.23
